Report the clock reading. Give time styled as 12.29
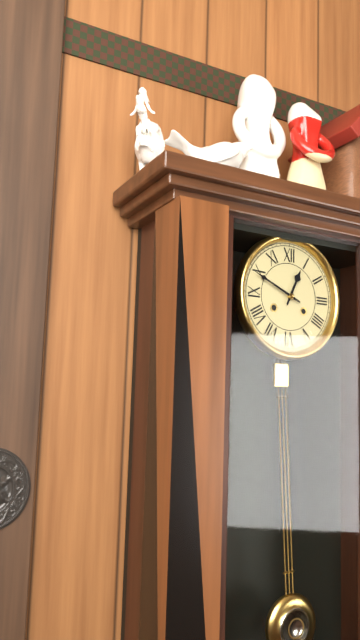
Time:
12.49
